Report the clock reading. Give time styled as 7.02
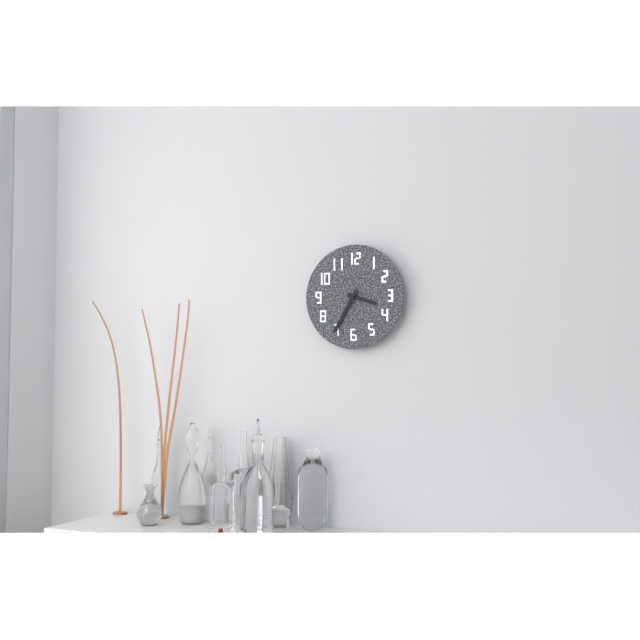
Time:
3.35
